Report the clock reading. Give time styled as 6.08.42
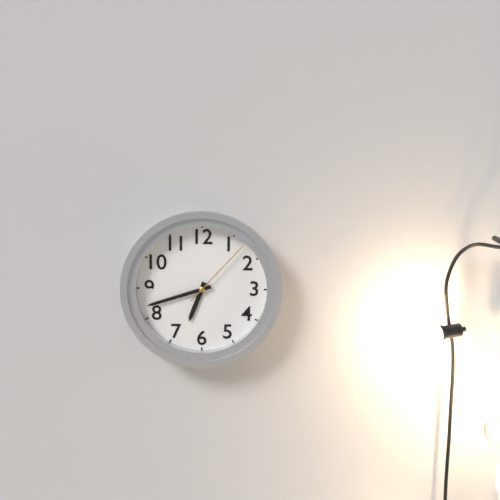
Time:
6.42.07
